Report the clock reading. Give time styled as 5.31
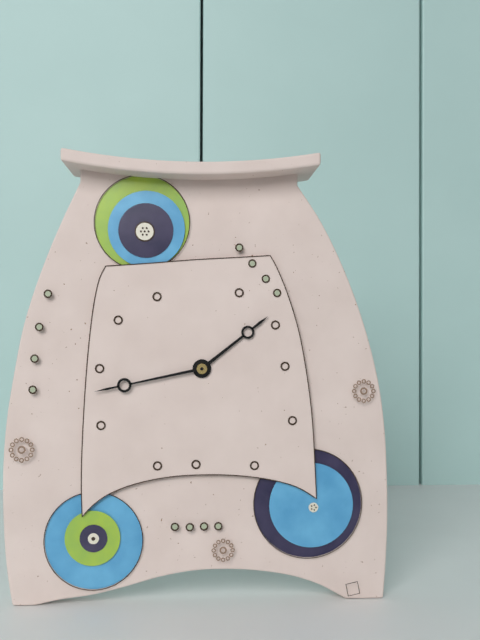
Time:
1.43
